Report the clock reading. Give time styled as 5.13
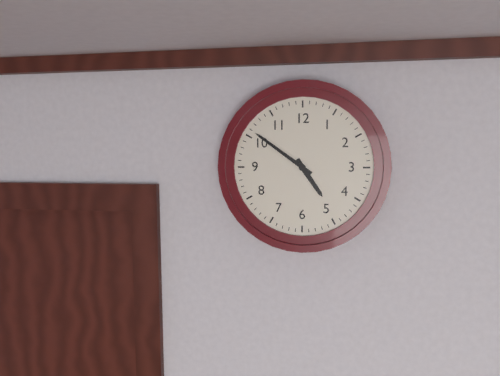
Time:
4.51
